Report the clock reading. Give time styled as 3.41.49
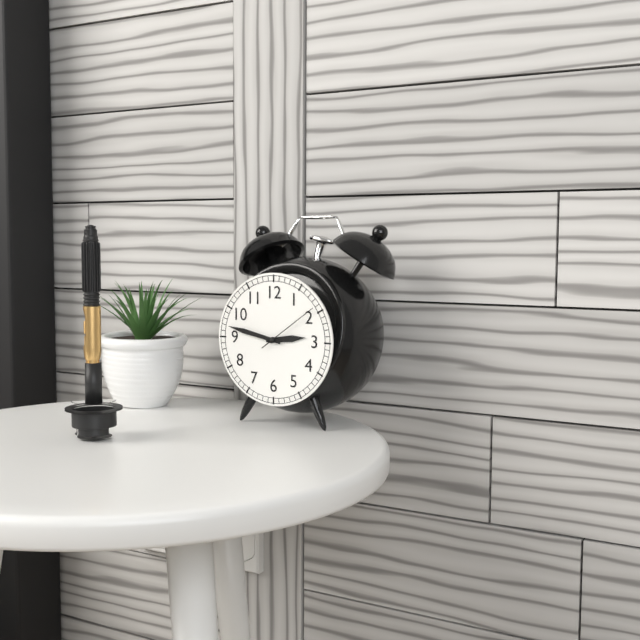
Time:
2.47.09
